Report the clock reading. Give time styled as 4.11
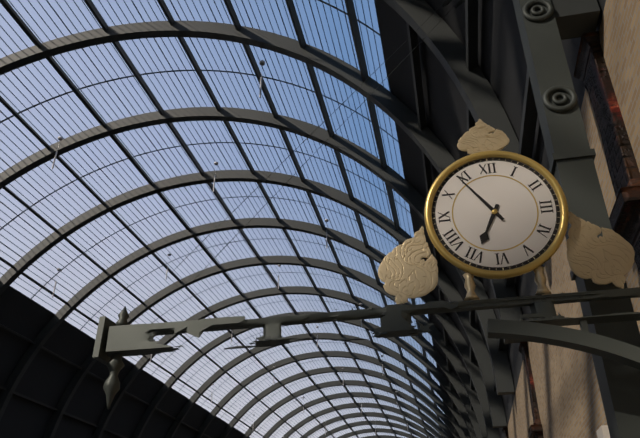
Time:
6.54
